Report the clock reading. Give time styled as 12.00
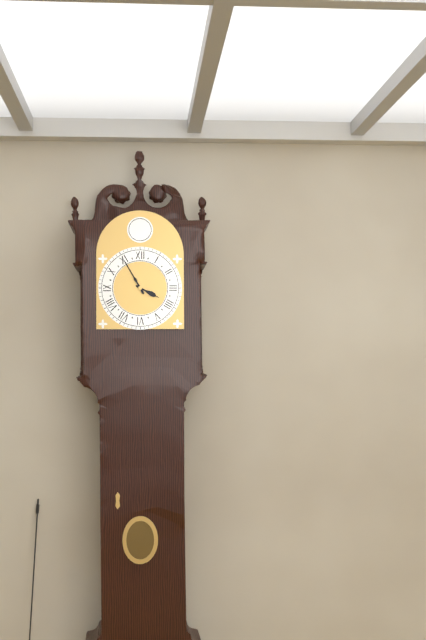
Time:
3.55
